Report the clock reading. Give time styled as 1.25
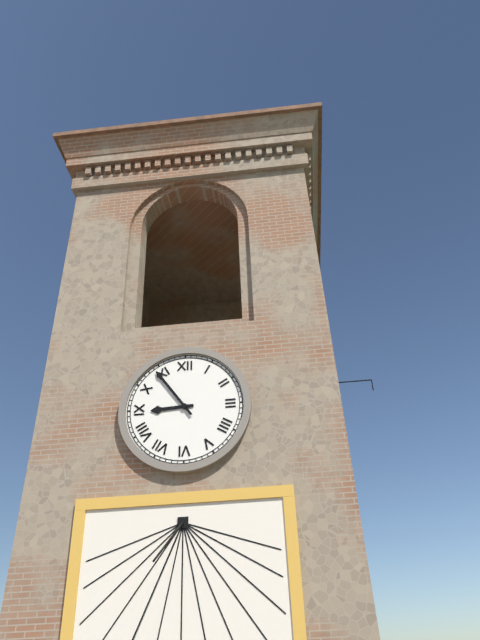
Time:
8.54
